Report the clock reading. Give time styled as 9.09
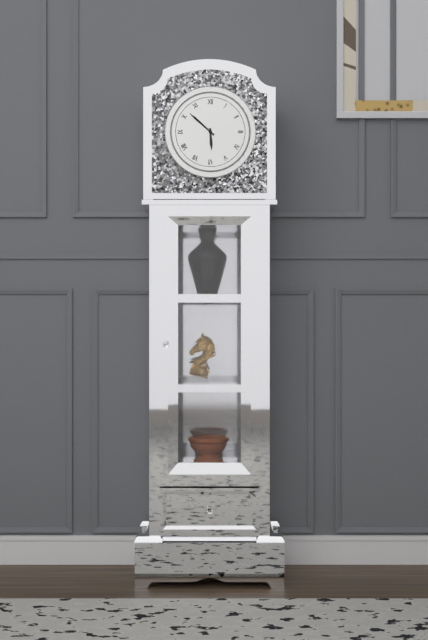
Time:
5.52
